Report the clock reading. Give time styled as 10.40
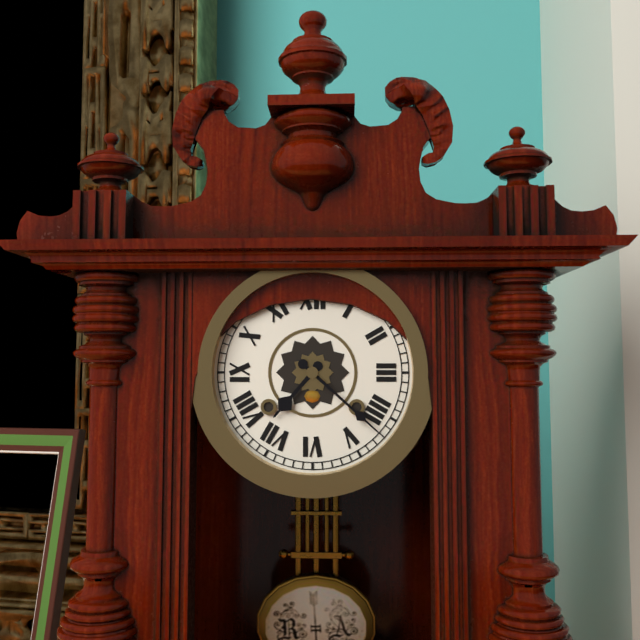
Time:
7.22
